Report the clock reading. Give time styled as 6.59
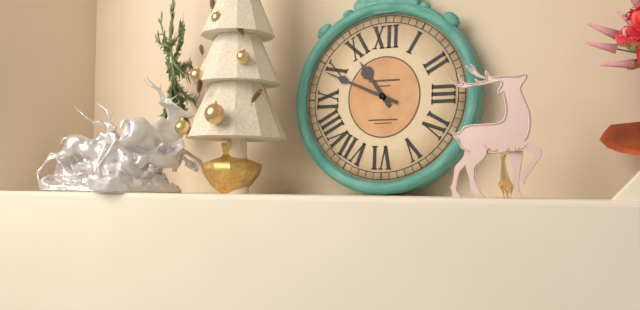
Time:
10.49
